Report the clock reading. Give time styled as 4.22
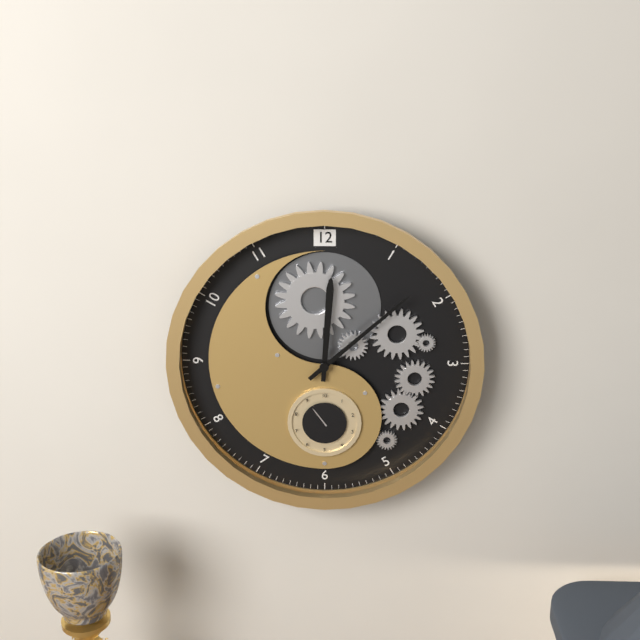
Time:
12.08
